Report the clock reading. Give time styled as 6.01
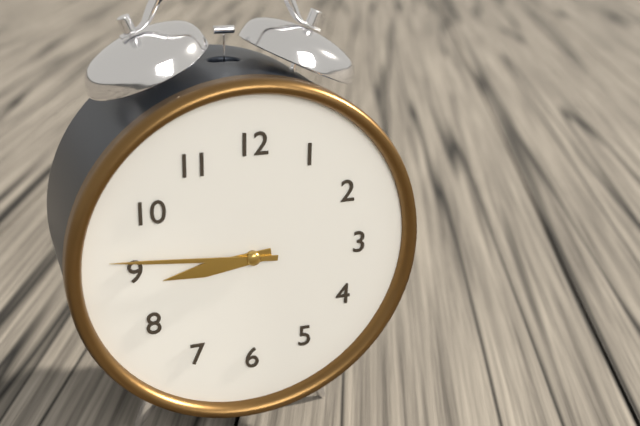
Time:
8.46
